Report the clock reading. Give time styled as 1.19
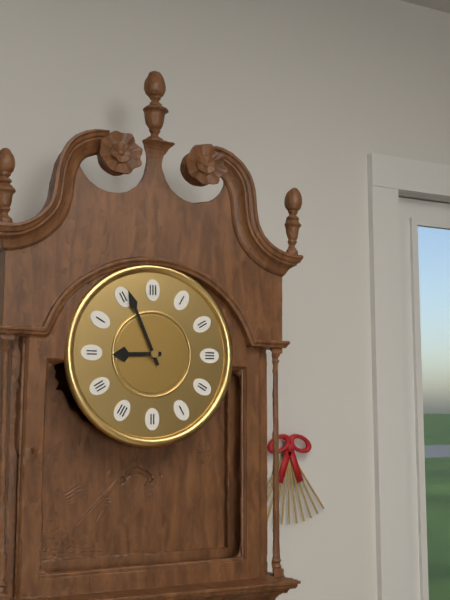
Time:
8.56
